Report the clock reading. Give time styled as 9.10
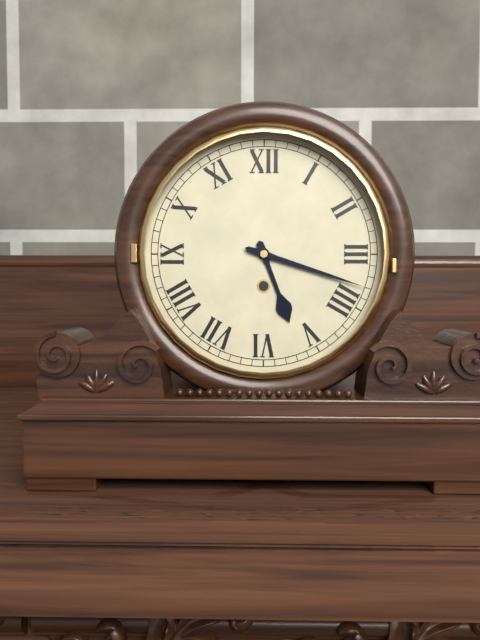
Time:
5.18
